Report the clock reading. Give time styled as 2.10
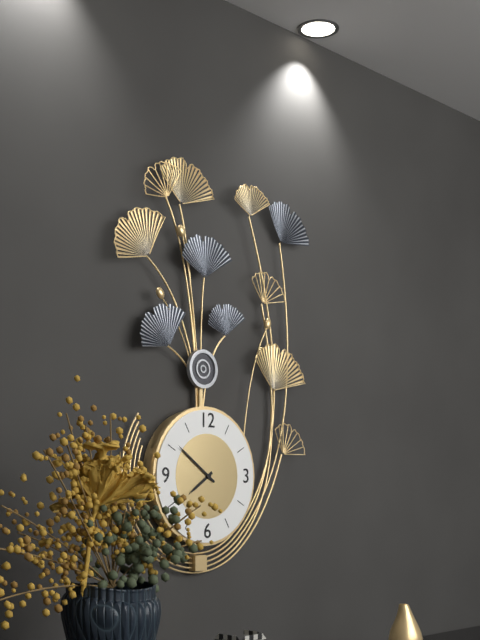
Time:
7.51
